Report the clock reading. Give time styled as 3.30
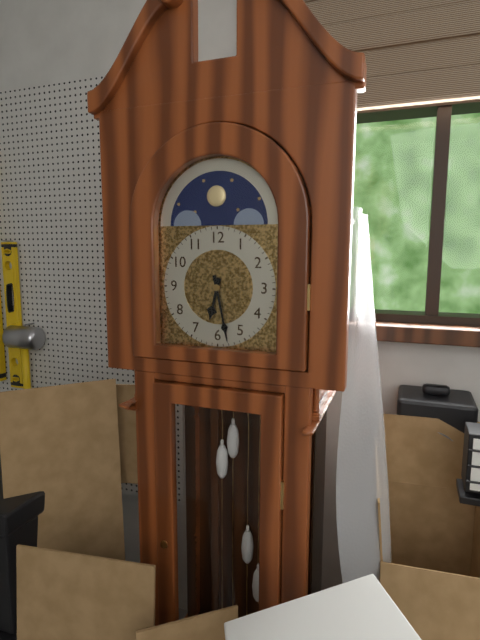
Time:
6.28
